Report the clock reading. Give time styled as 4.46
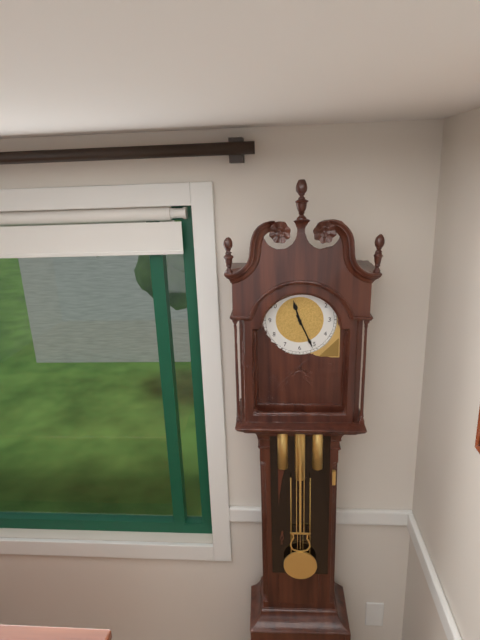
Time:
11.26
